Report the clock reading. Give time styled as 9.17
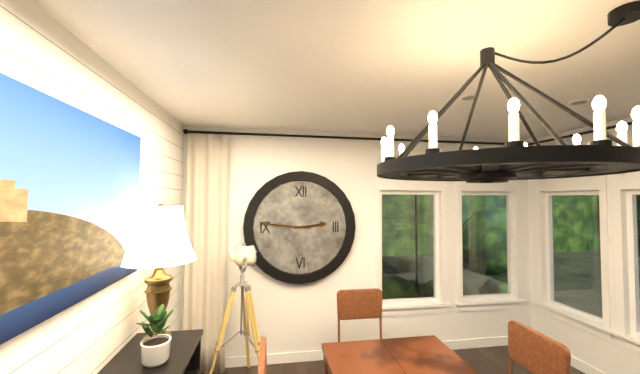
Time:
2.46
